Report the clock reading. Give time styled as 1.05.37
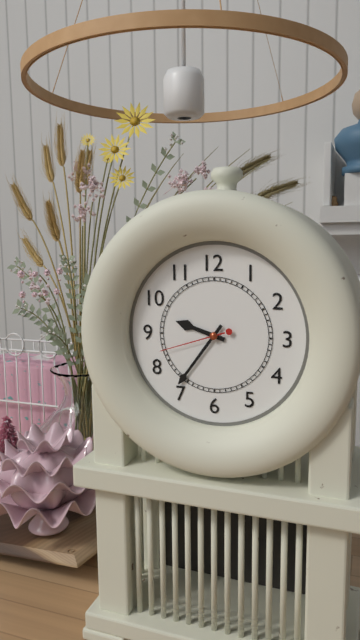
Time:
9.36.42
